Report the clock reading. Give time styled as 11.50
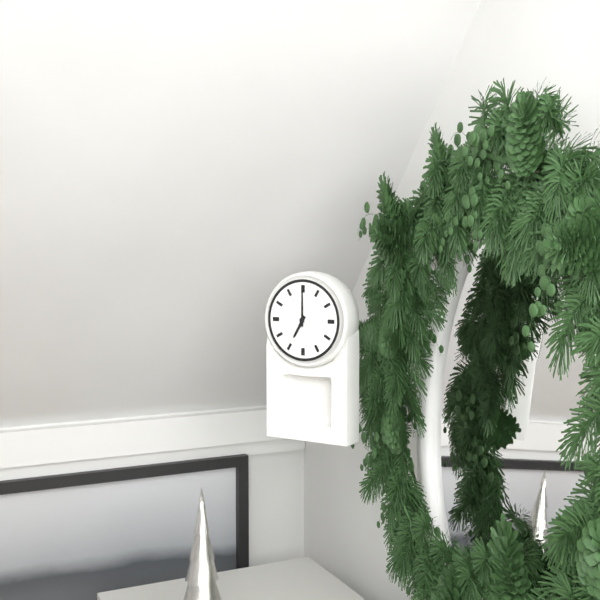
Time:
7.00
